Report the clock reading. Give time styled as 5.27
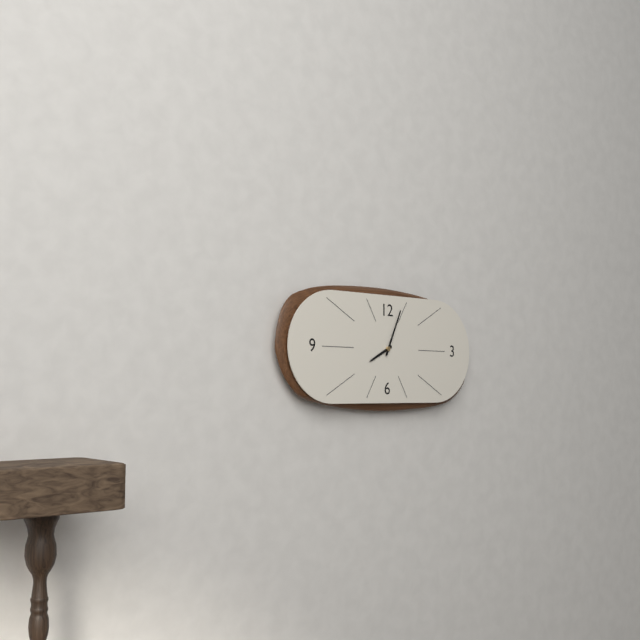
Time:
8.04
